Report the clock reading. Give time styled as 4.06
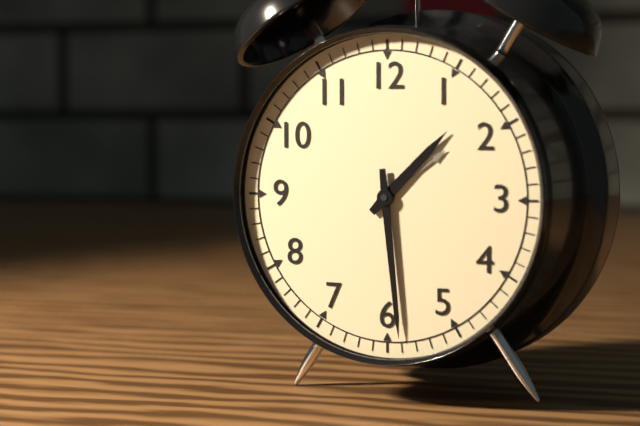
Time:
1.29
